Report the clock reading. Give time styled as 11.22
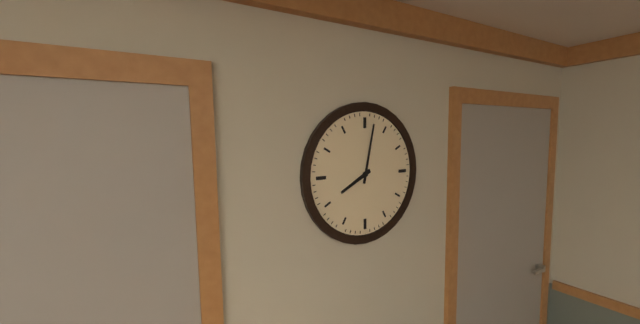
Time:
8.02
